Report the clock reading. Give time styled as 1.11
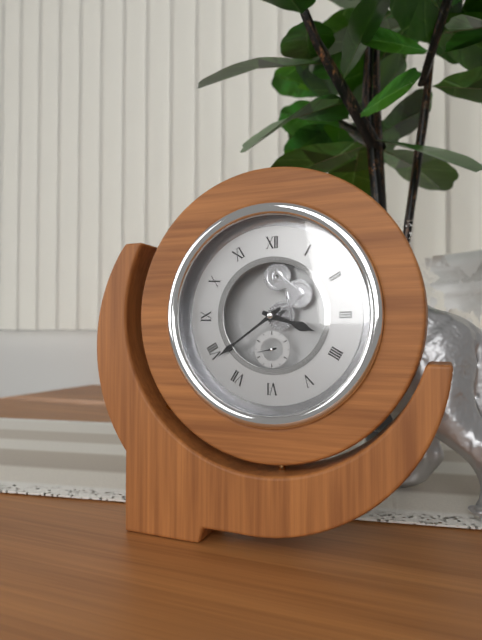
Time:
3.39
